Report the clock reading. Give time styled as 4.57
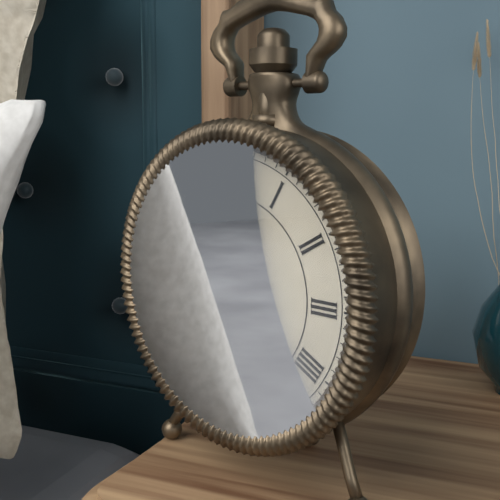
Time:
8.27
